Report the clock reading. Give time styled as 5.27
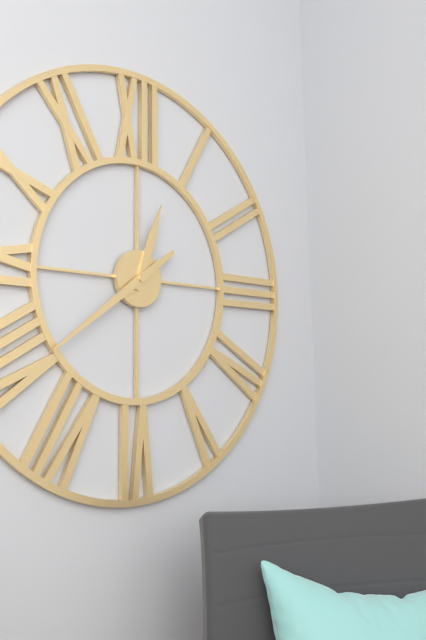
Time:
12.39
